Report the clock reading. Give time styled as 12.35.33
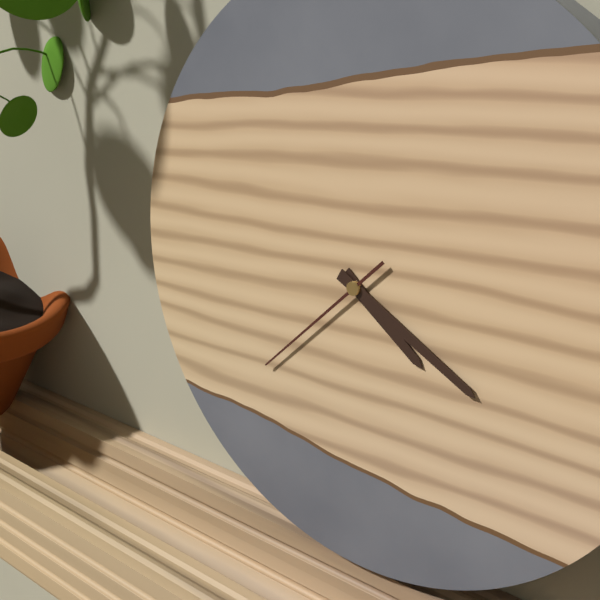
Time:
4.20.38
